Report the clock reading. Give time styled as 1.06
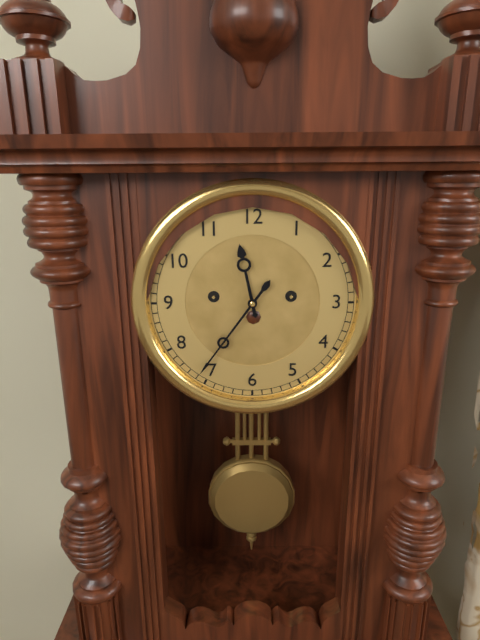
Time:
11.36
